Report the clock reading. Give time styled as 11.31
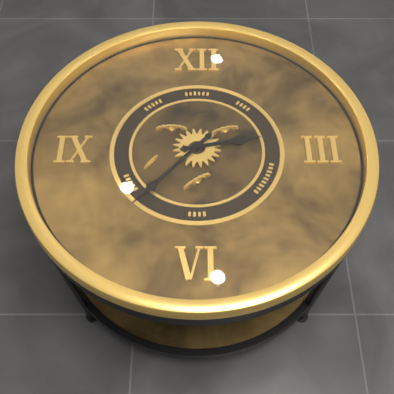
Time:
2.37
